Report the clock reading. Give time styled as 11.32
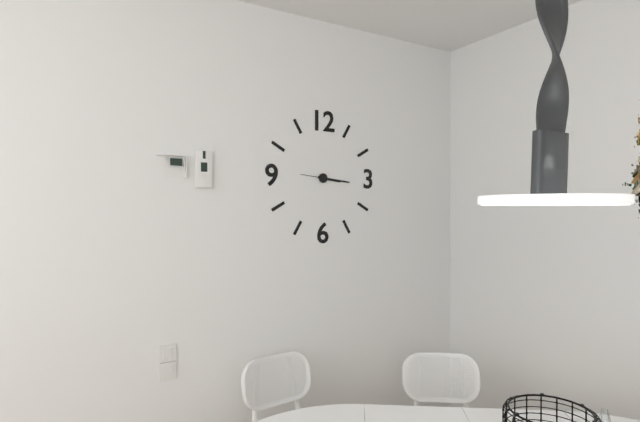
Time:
3.16
